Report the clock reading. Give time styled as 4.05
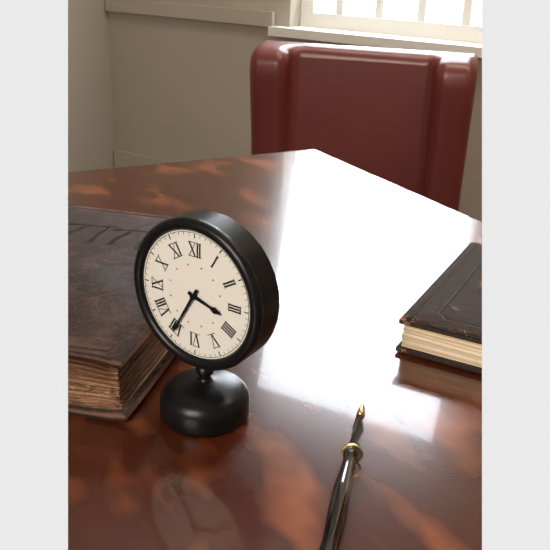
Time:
3.35
